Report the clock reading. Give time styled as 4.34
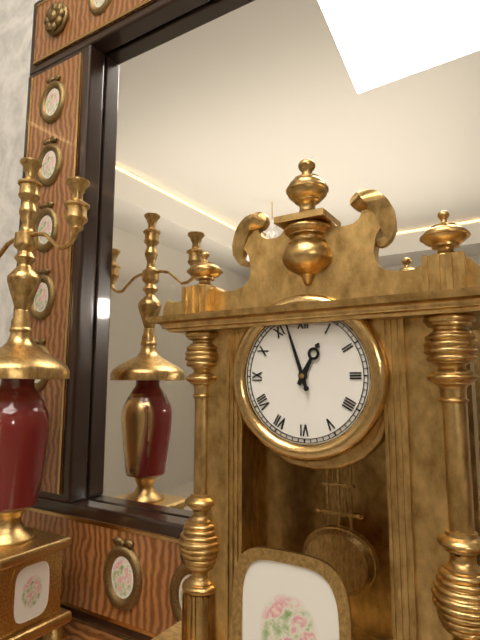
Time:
12.57
